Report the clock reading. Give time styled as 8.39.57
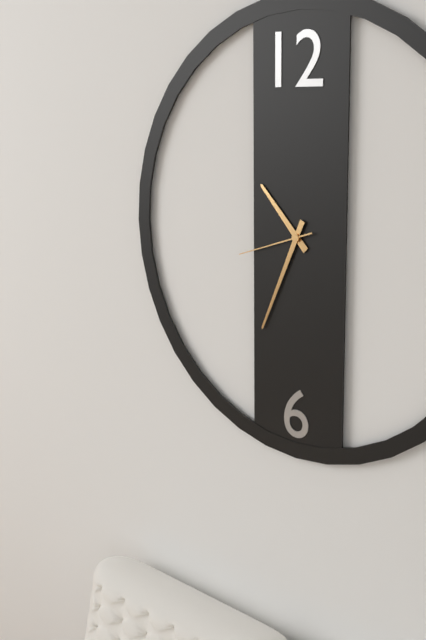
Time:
10.34.42
